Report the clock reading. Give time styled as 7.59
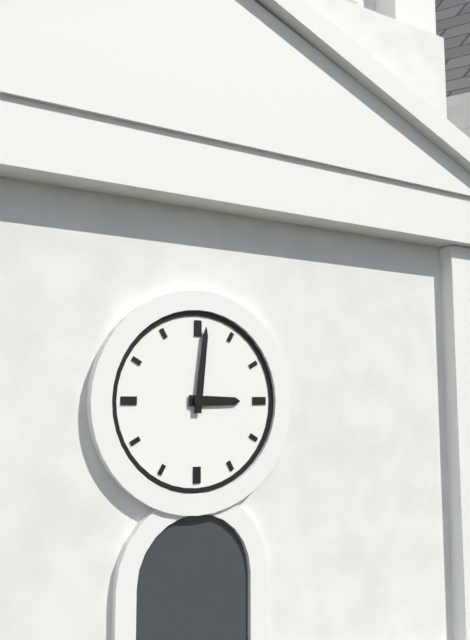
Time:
3.01
